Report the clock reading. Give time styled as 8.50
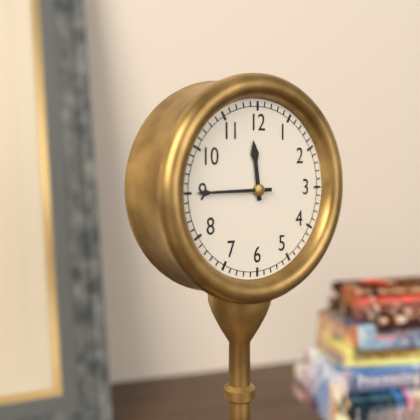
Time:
11.45
